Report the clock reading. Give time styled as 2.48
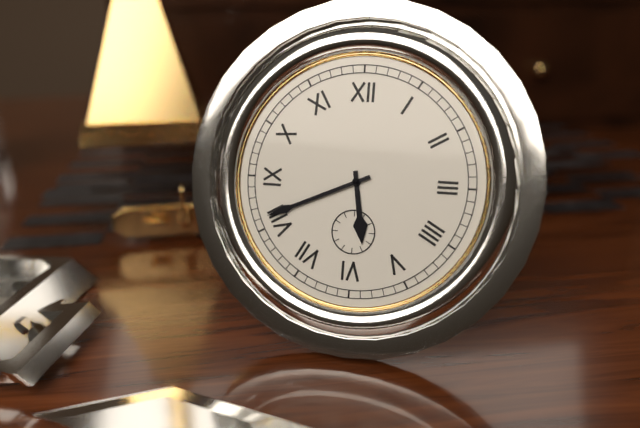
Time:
5.41
